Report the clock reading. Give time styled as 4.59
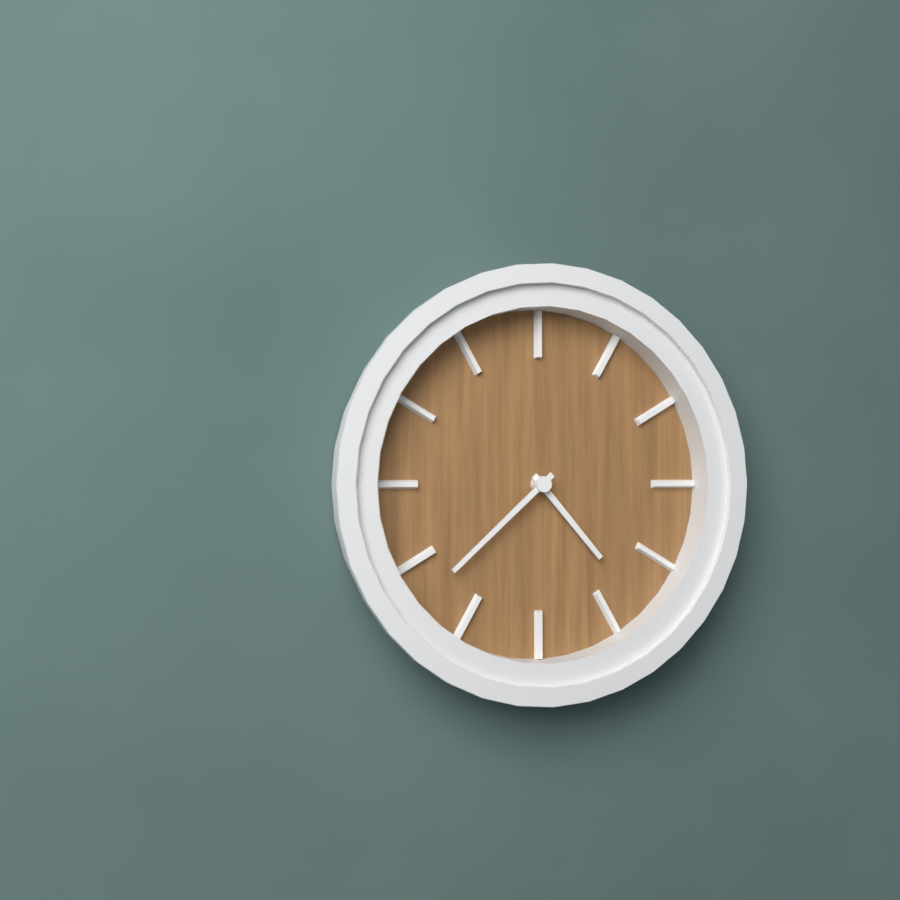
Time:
4.38
